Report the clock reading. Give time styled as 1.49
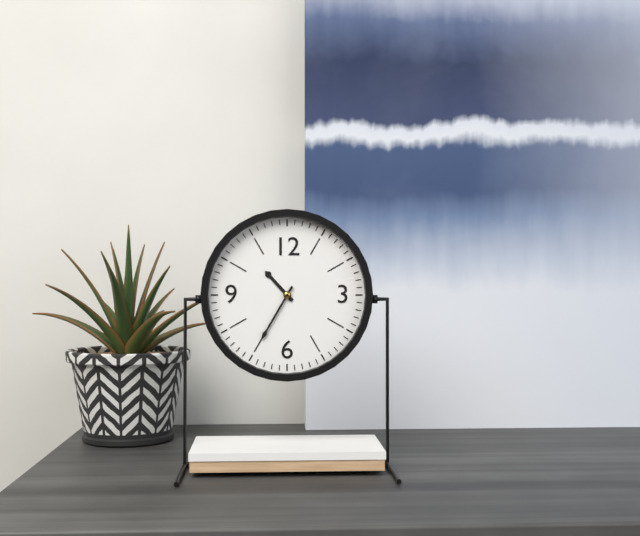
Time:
10.35
